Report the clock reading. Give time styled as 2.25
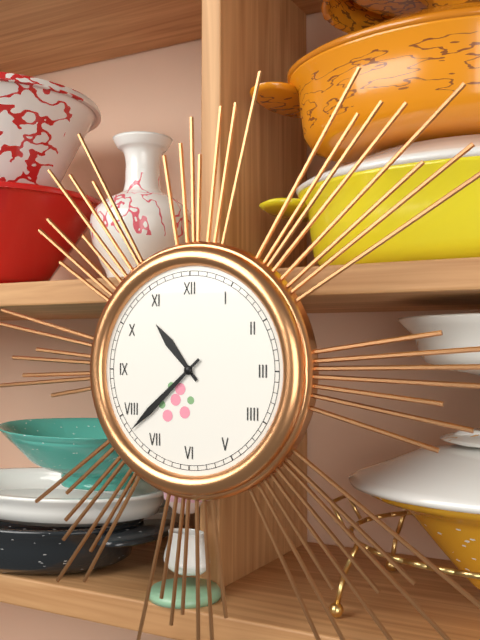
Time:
10.38
